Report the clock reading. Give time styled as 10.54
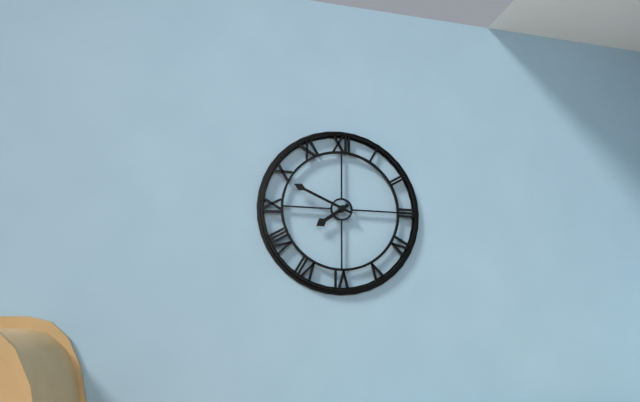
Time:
7.49
